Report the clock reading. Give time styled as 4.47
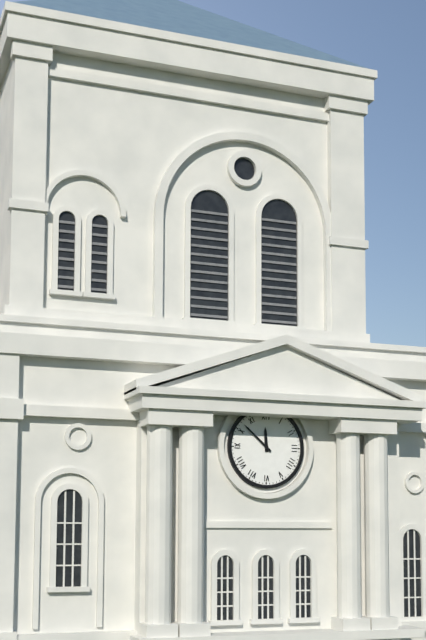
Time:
11.52
